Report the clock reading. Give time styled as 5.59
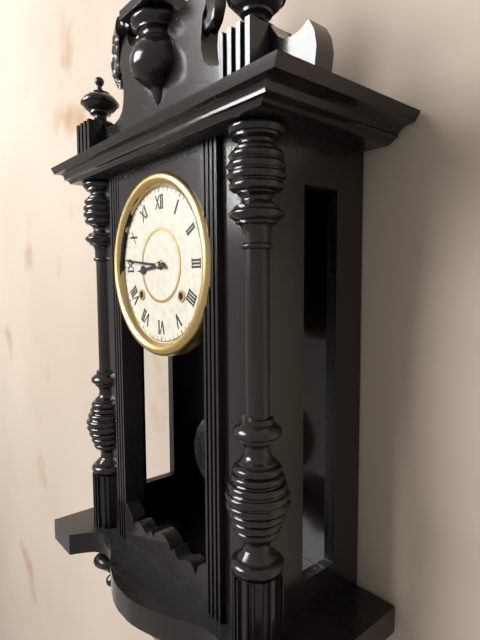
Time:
8.46
